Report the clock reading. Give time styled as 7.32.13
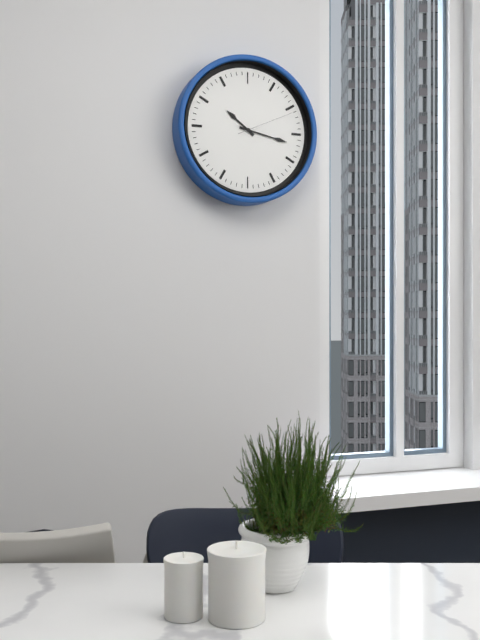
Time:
10.17.11
